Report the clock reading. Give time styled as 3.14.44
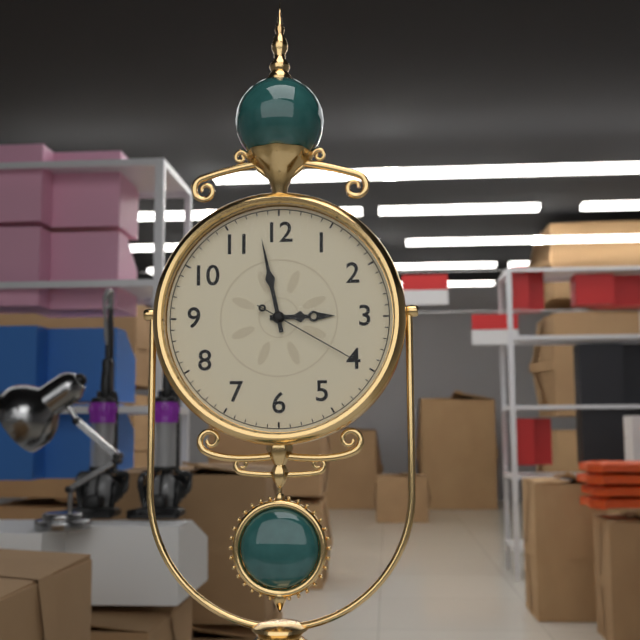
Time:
2.58.20
